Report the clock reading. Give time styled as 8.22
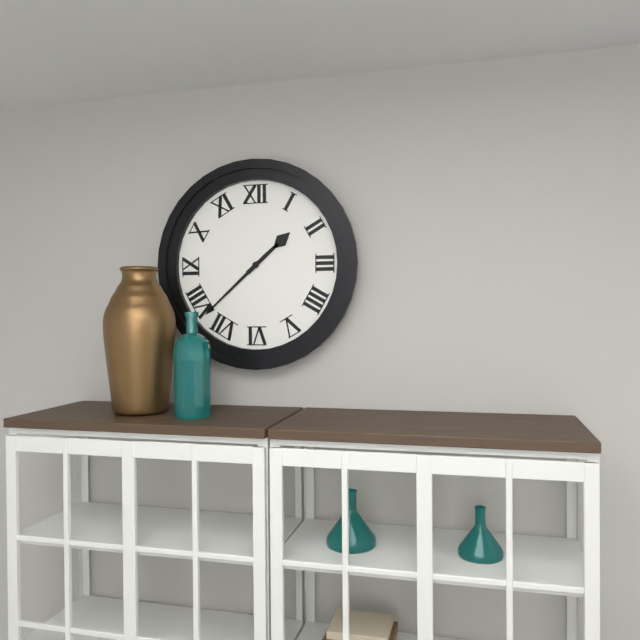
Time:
1.38
